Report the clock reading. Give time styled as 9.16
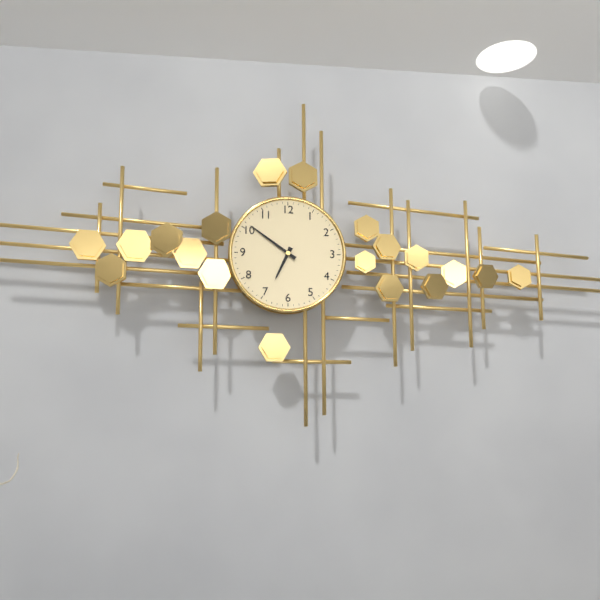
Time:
6.51
